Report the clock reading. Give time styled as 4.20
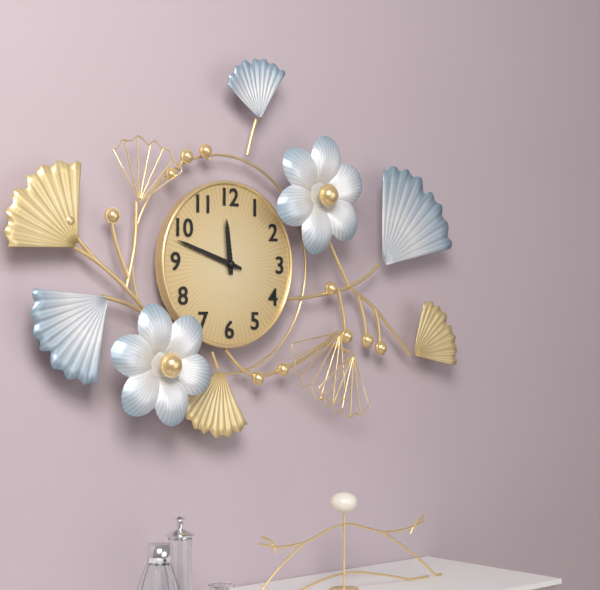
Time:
11.48
